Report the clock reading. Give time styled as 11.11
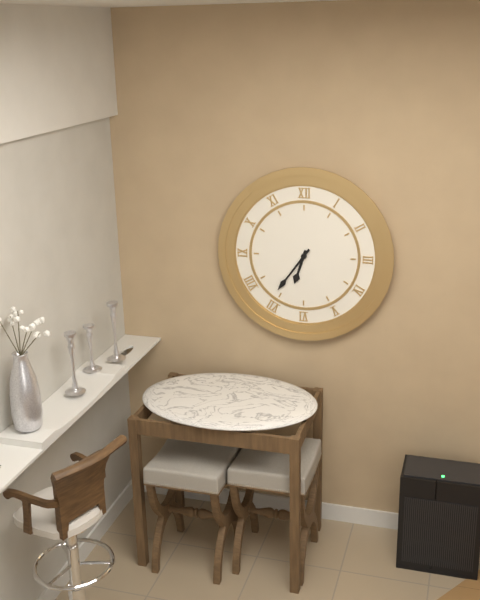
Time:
6.36
